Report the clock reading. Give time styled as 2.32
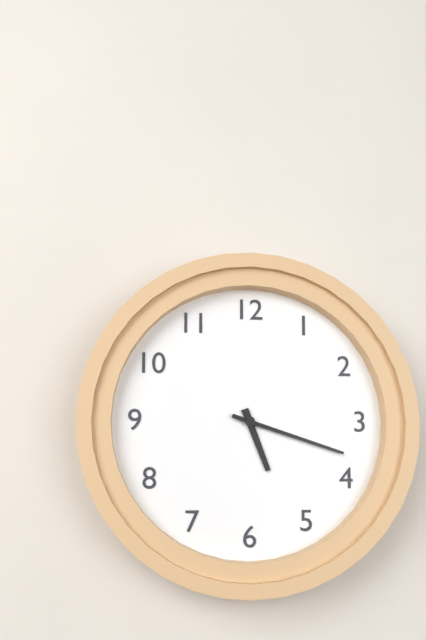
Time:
5.18
